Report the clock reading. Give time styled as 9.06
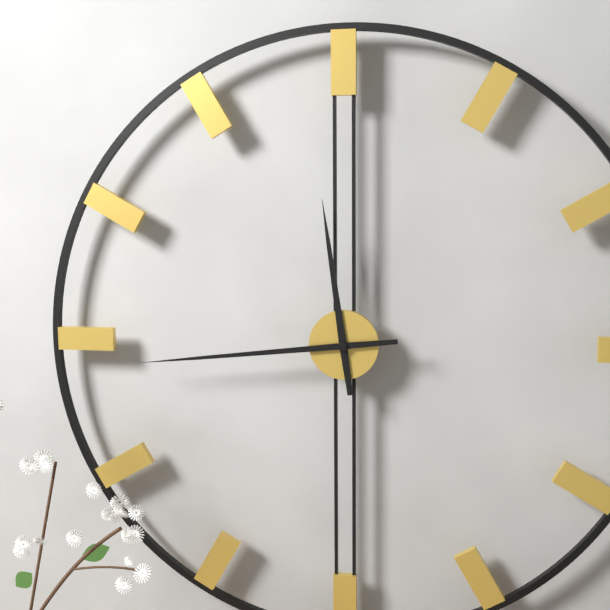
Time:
11.44
